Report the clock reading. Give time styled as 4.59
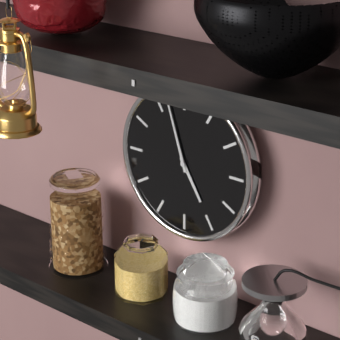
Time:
4.57
